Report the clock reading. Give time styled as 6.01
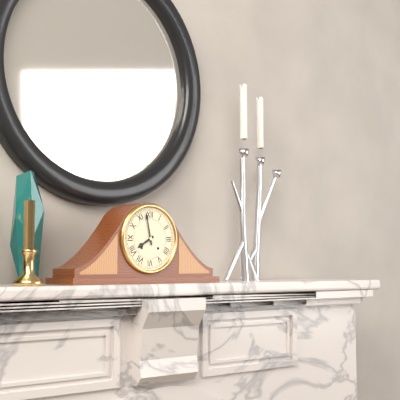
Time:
7.58
